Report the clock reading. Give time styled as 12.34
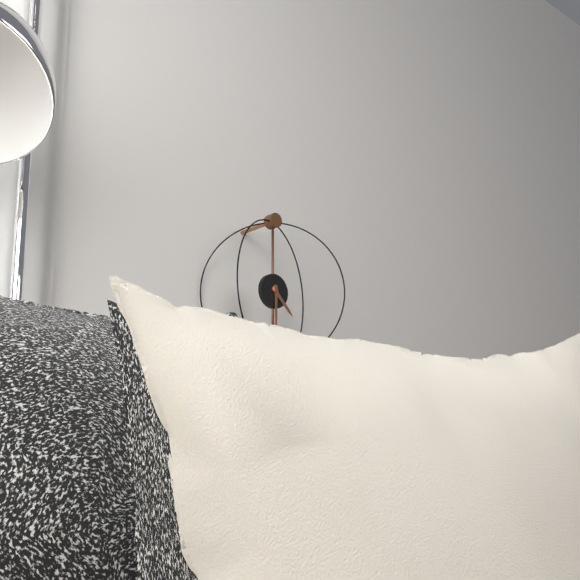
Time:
4.30
